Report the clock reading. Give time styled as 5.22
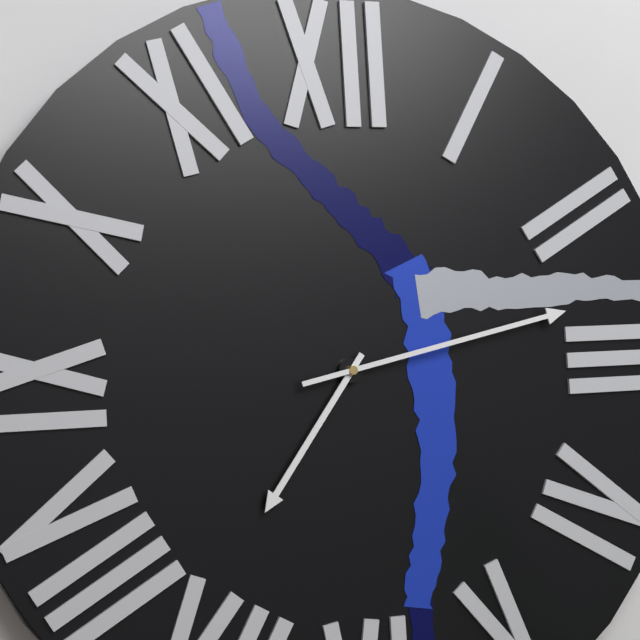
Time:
7.13
